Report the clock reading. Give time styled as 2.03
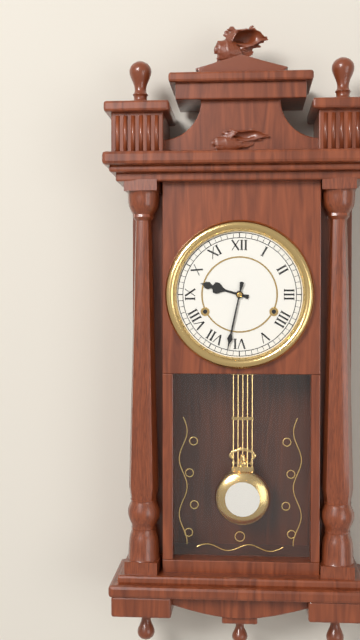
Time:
9.32
